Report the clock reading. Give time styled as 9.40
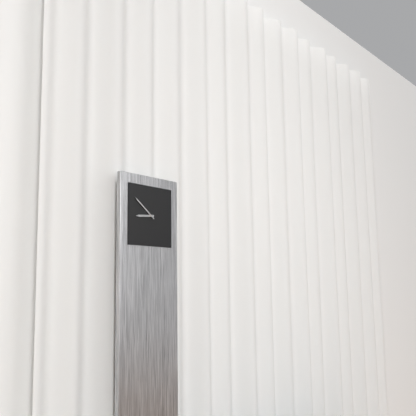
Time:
8.51
